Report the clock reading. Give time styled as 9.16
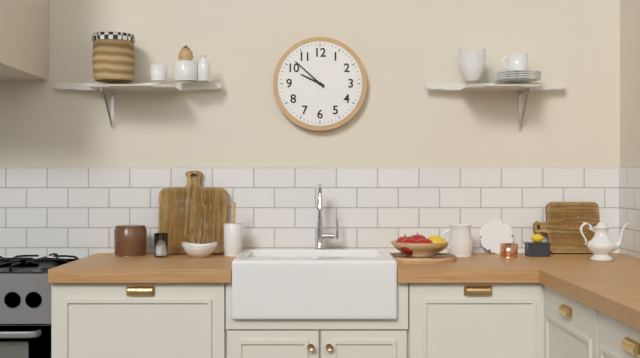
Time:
9.52
